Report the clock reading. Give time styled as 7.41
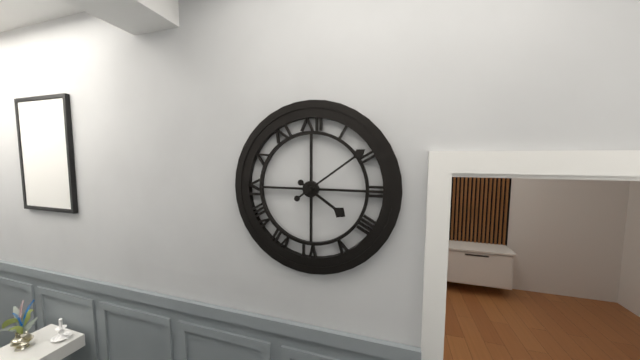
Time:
4.09
